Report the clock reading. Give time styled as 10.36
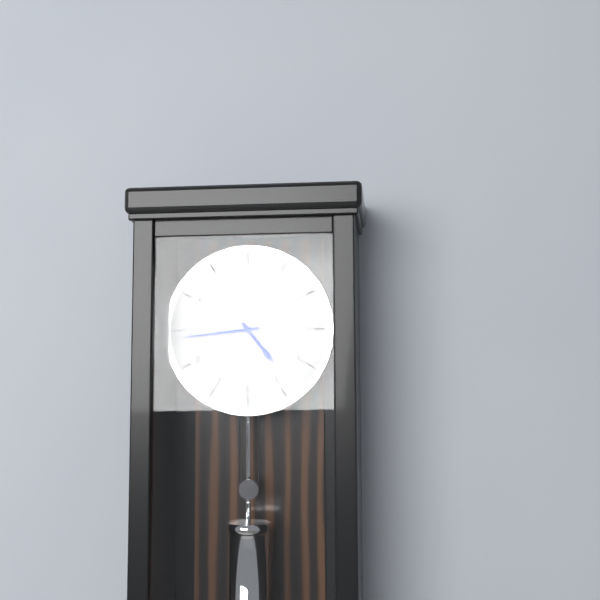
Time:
4.44
